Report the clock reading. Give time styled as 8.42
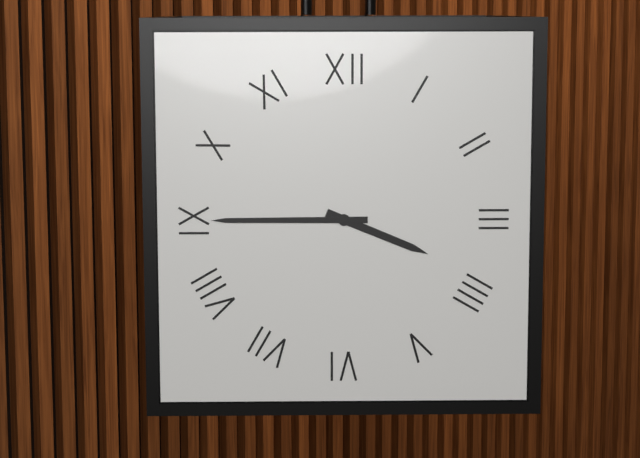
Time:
3.45
